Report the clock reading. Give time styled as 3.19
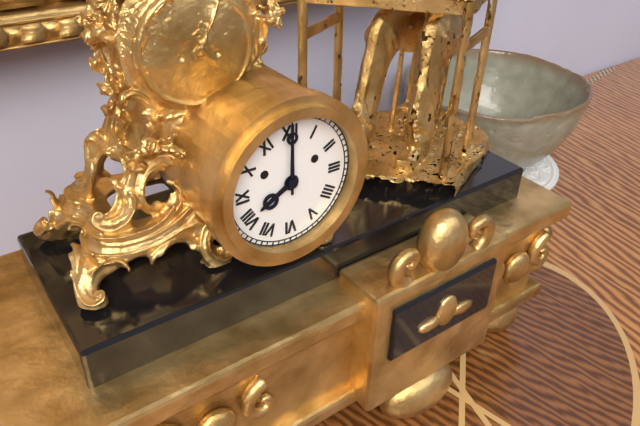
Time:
8.00
